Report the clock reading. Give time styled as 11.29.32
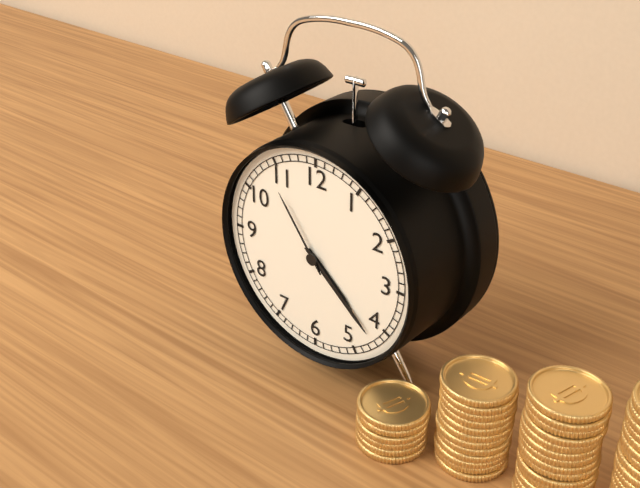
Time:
4.22.54
